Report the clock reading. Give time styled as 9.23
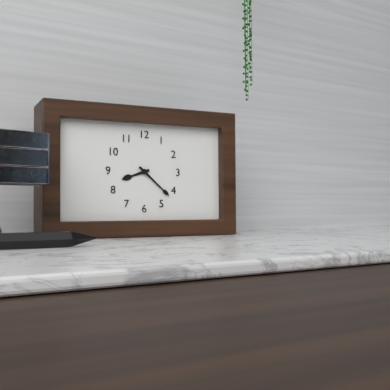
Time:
8.22
